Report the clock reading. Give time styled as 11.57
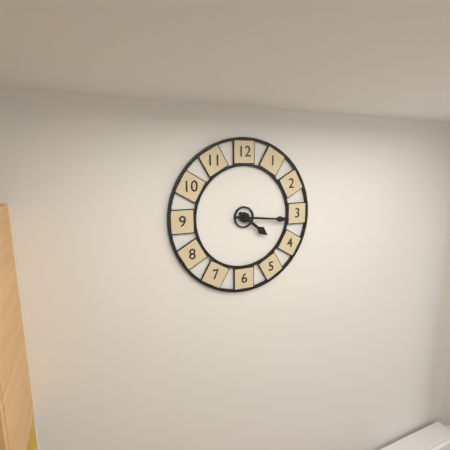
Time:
4.16
